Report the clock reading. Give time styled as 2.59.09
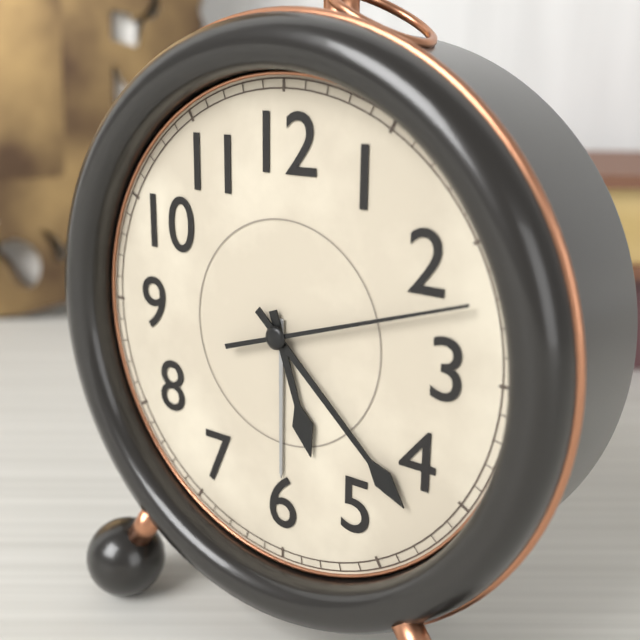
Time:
5.22.12
